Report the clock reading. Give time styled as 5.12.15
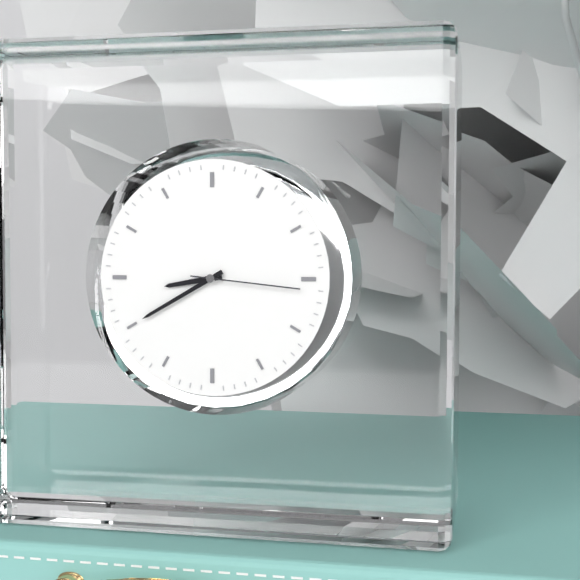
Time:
8.40.16
